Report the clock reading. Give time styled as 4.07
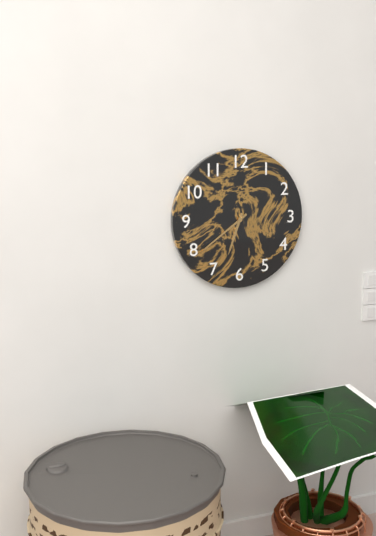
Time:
6.39
